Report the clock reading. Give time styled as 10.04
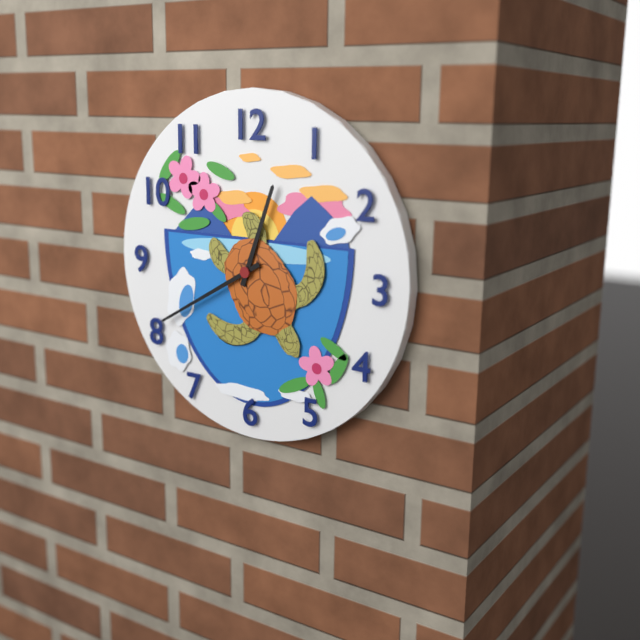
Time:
12.40
